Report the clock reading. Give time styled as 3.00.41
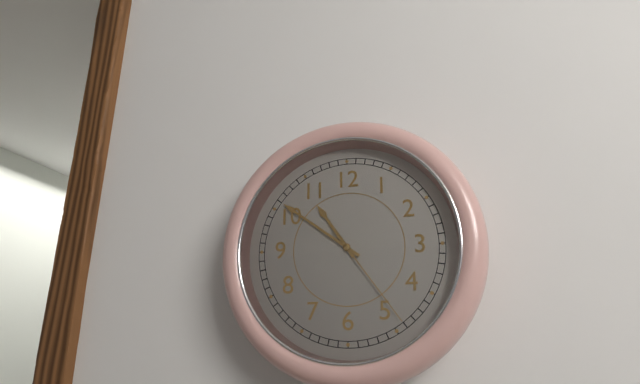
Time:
10.51.24
